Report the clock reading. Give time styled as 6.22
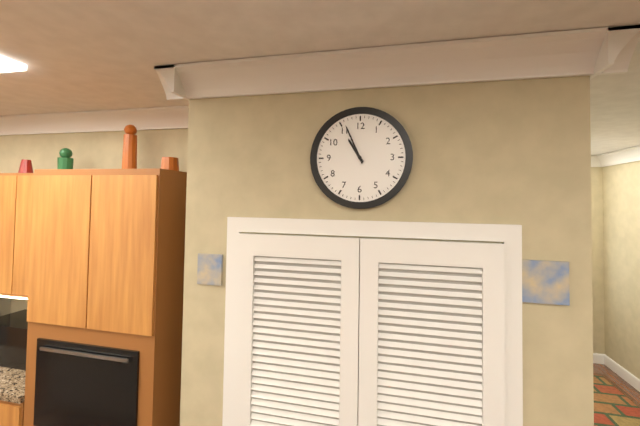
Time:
10.56
